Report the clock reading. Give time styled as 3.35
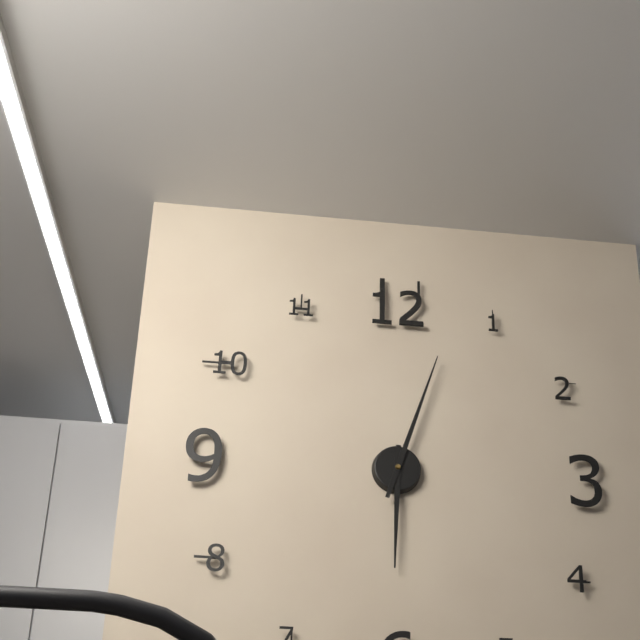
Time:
6.03
